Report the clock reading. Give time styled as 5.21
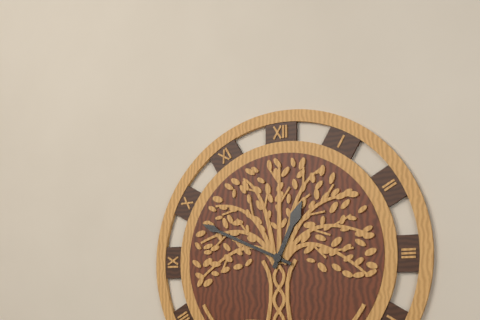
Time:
12.49
